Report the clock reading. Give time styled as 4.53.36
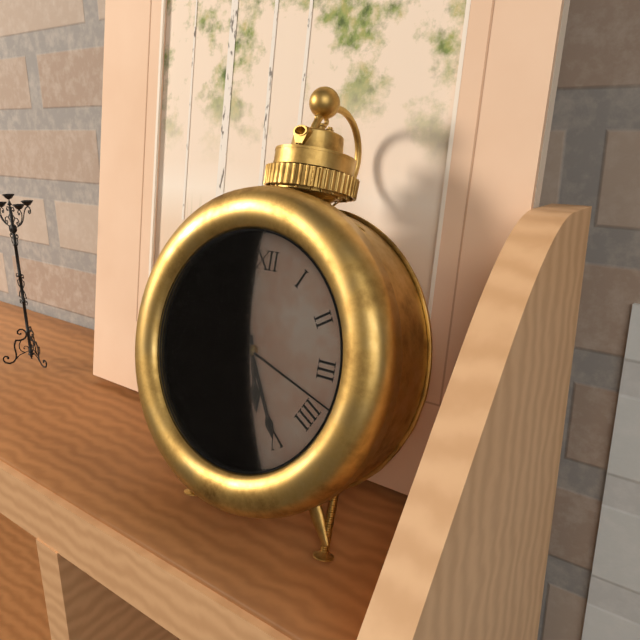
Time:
5.25.18
